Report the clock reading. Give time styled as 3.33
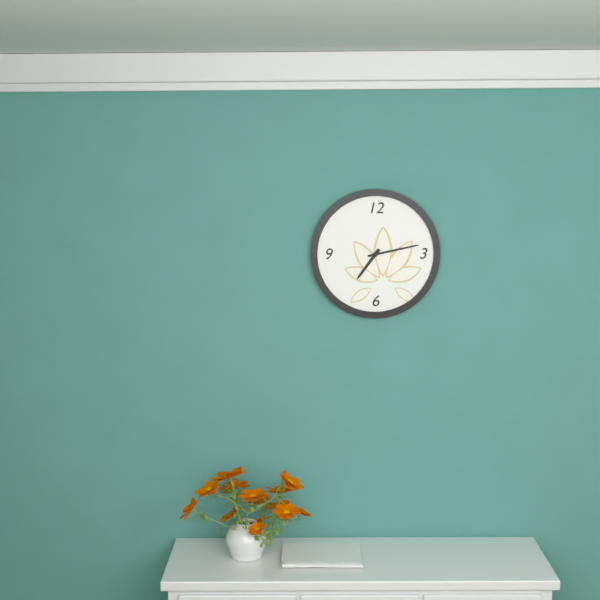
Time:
7.13
